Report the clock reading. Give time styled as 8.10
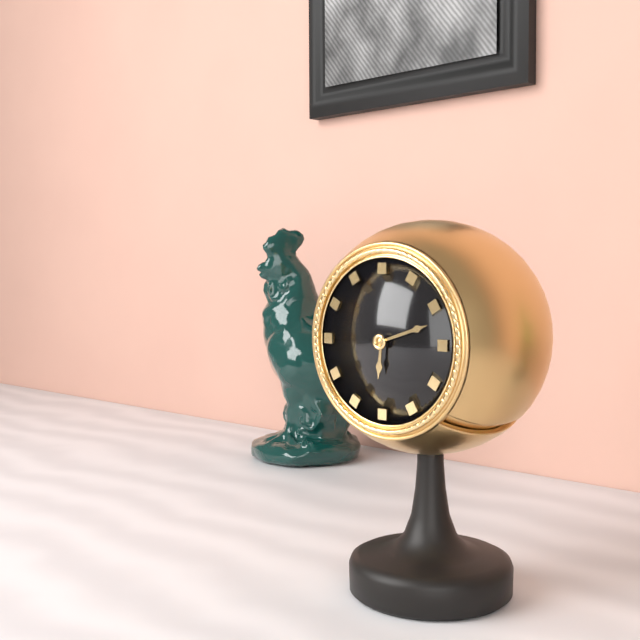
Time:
6.12
